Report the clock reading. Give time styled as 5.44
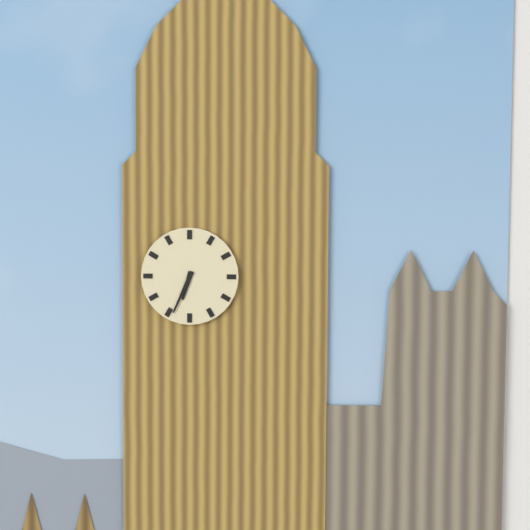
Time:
6.34
